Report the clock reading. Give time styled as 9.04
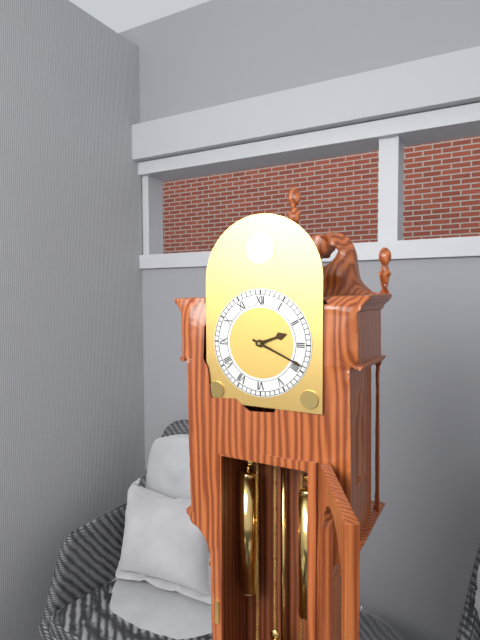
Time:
2.19
